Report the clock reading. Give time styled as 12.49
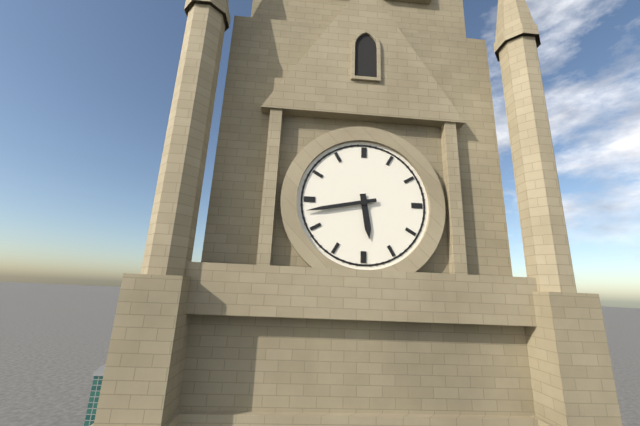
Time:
5.43
